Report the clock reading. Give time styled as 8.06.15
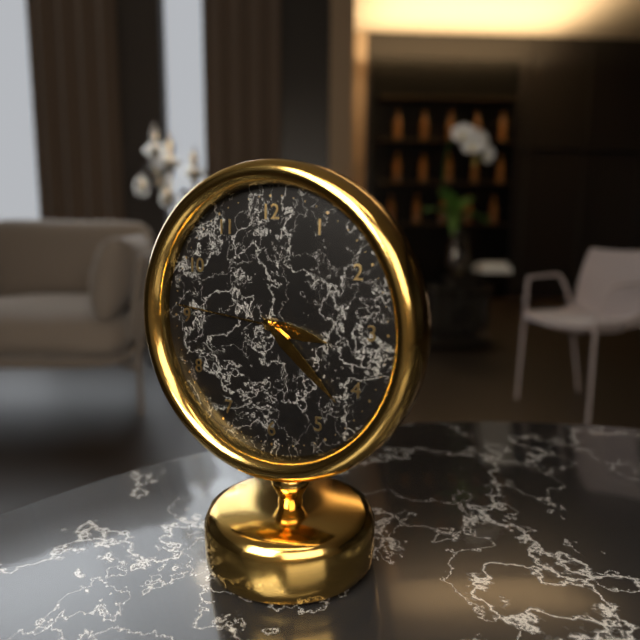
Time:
3.22.46
